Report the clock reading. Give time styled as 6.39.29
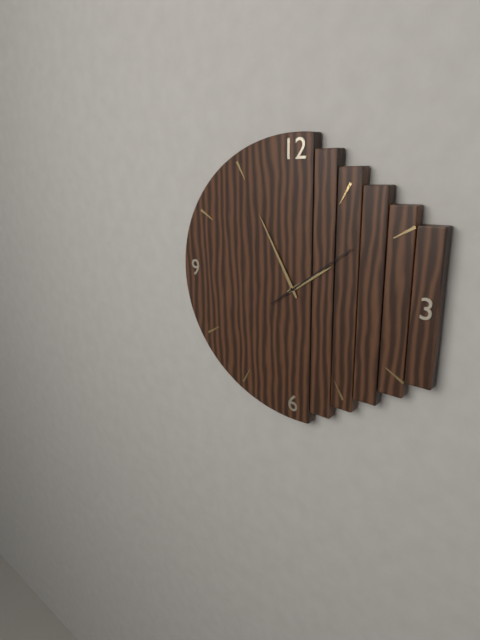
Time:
1.55.09
